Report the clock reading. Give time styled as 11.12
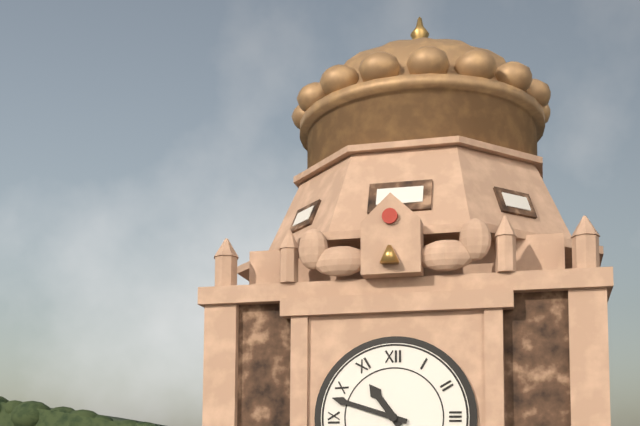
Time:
10.48
